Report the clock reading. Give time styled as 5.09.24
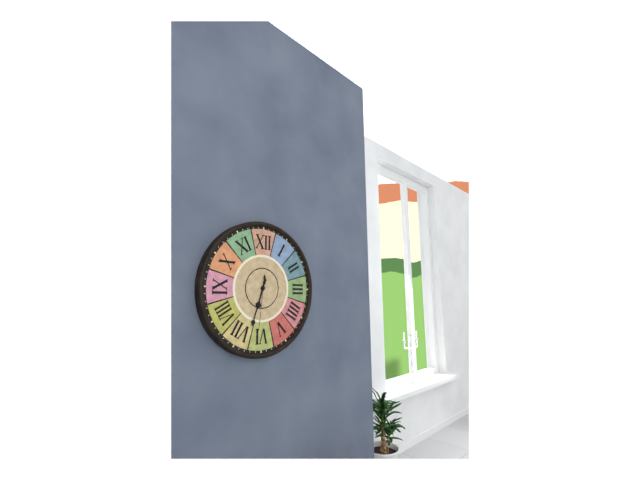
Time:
6.33.31
